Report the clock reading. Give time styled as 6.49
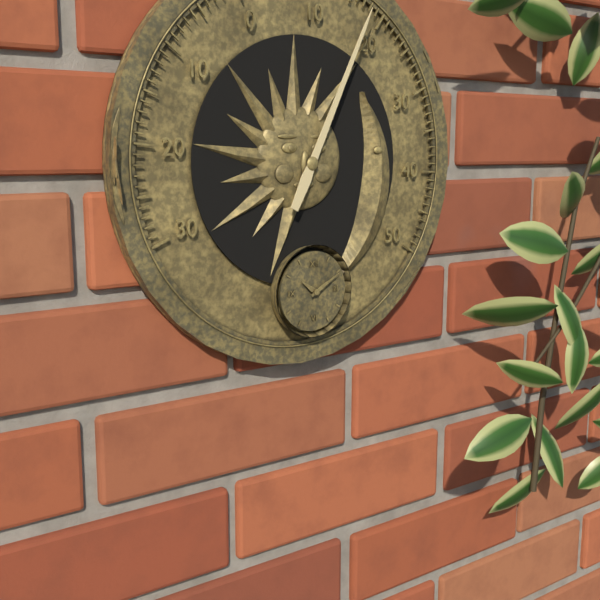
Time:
10.10
